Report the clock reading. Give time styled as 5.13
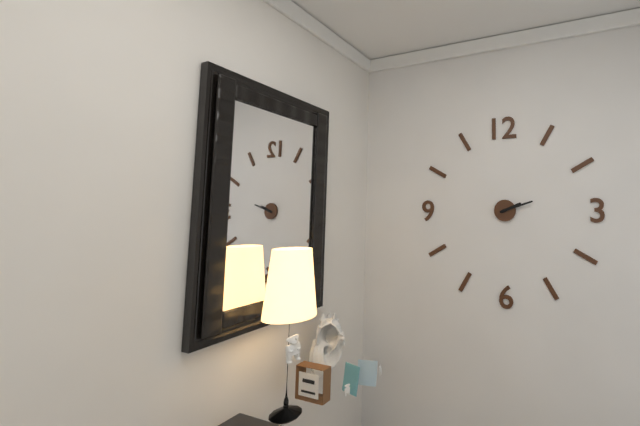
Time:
2.12
